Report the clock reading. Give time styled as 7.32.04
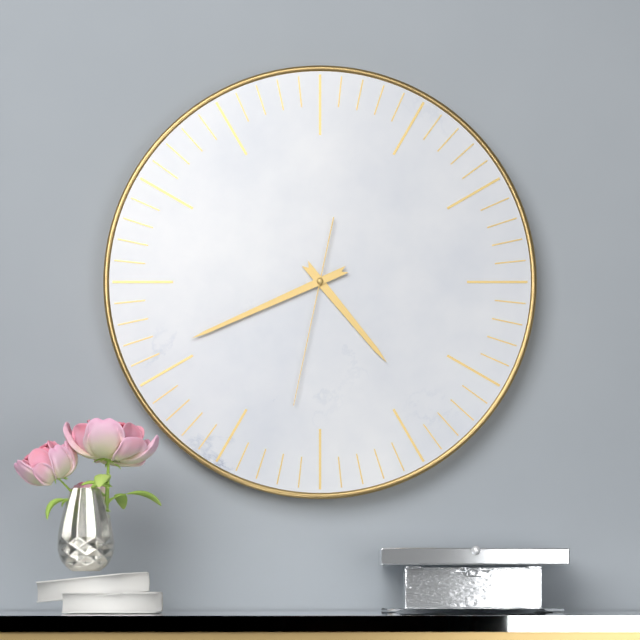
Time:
4.41.32
